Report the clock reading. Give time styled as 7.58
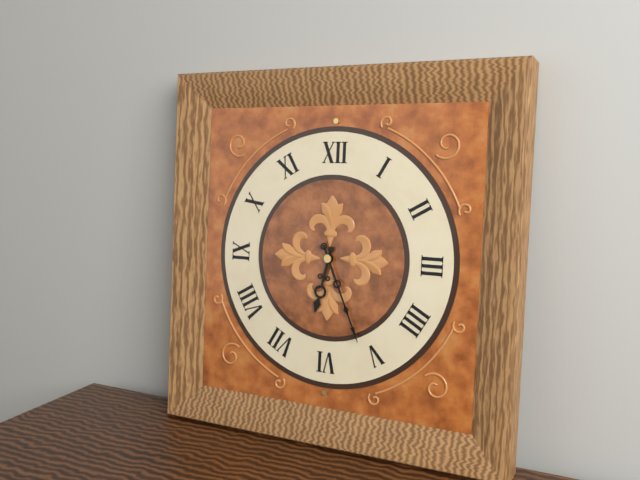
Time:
6.26
